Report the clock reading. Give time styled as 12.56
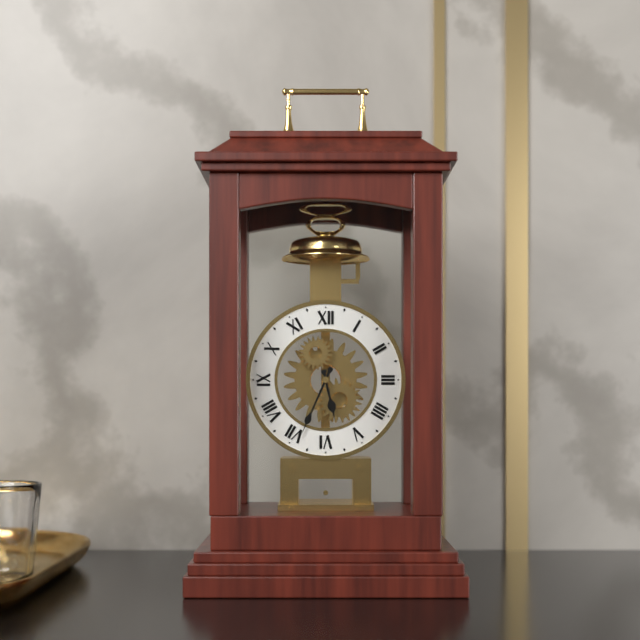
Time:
5.34
